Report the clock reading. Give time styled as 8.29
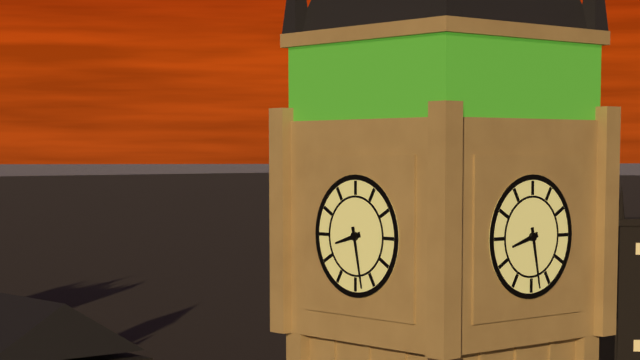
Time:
8.28
